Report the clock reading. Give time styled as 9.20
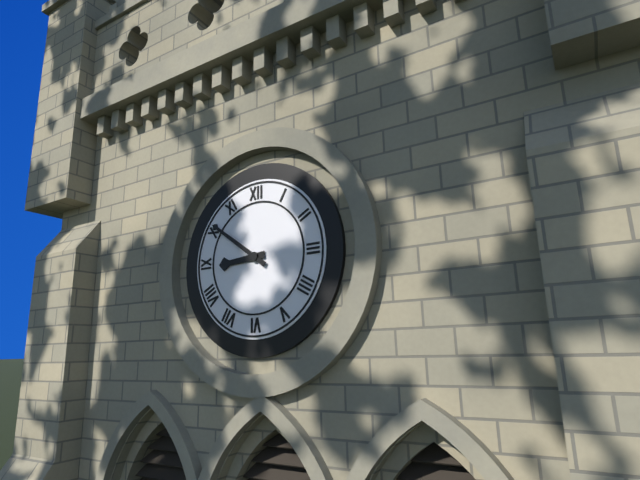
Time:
8.51
